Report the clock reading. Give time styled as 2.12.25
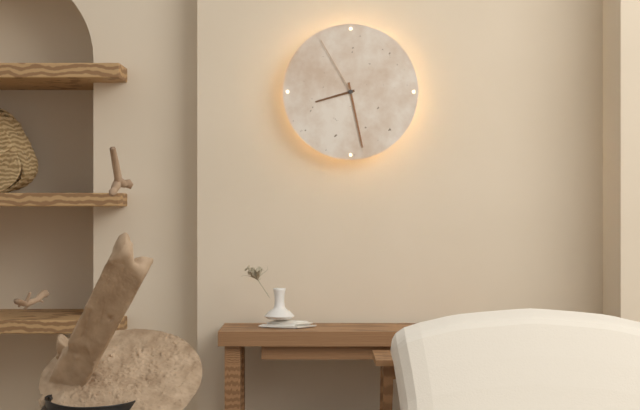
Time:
8.28.55
